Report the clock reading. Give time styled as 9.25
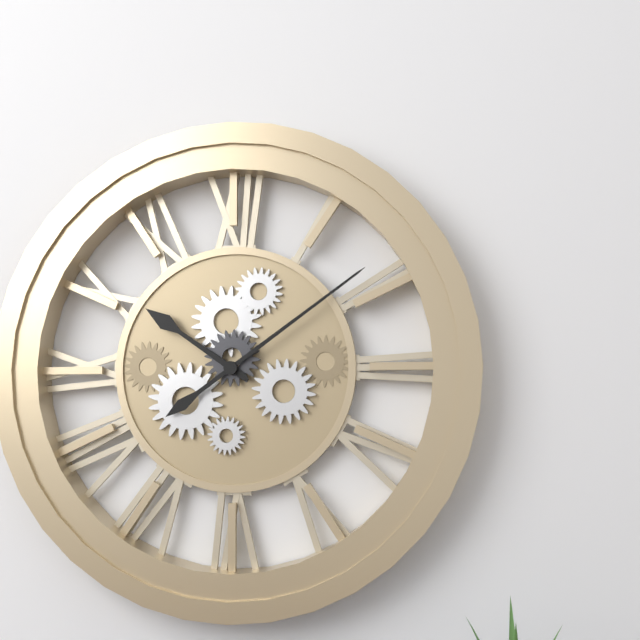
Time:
10.09
